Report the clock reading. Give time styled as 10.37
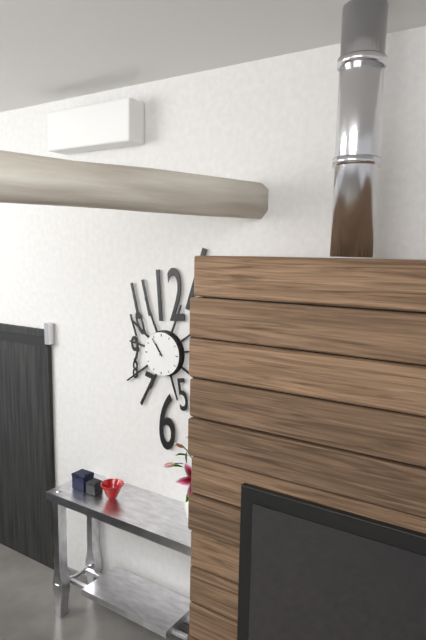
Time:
10.54
